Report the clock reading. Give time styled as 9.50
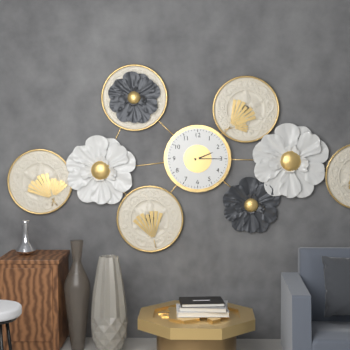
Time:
2.15
